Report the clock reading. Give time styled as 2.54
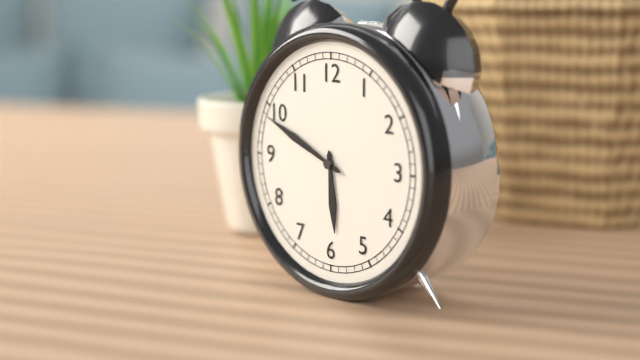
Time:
5.49
